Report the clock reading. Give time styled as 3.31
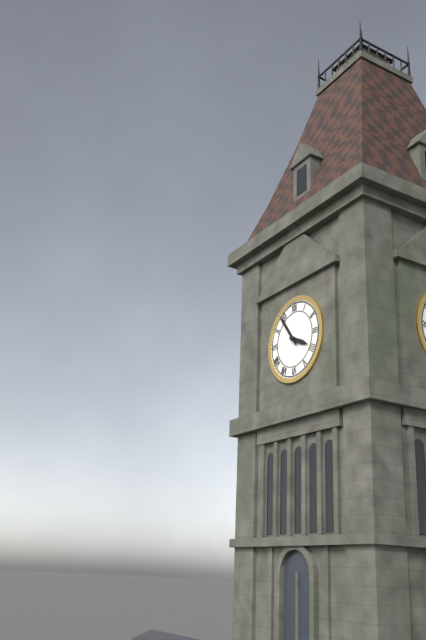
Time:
3.54
